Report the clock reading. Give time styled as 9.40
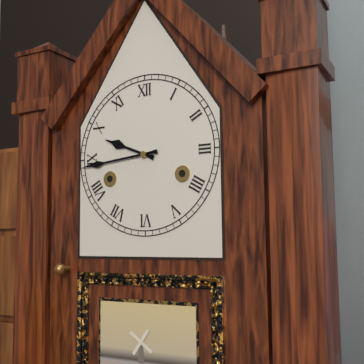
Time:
9.44
